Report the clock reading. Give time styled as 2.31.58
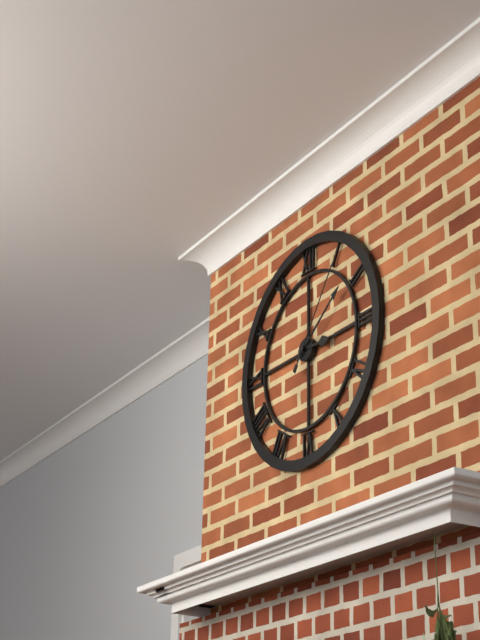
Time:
3.09.06
